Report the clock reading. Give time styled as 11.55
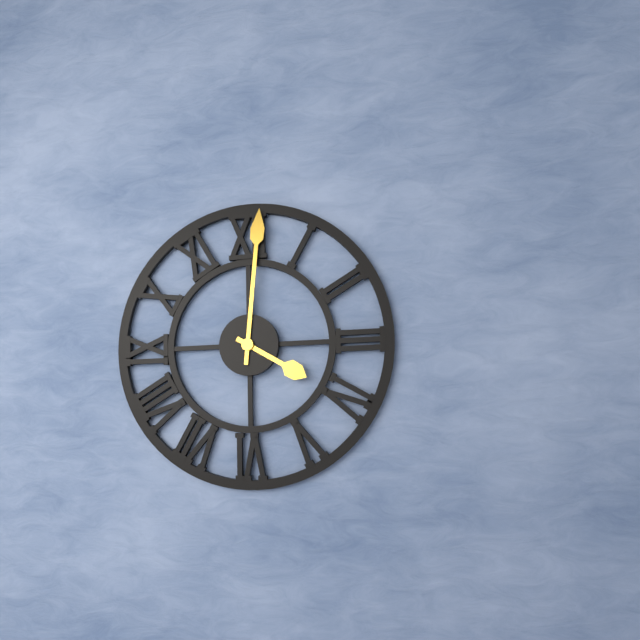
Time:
4.01
